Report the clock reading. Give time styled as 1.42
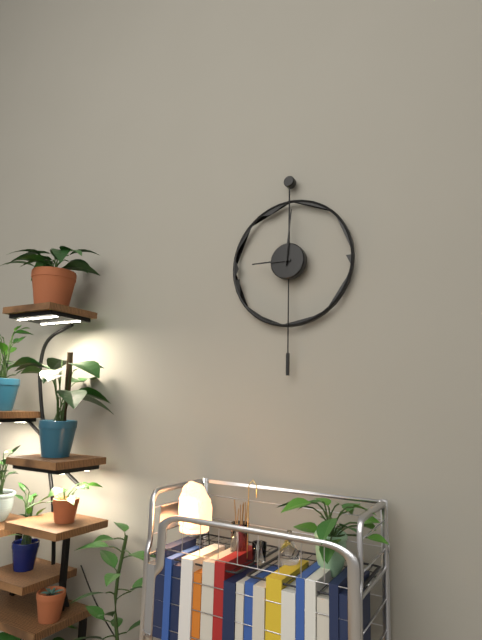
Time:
9.01
